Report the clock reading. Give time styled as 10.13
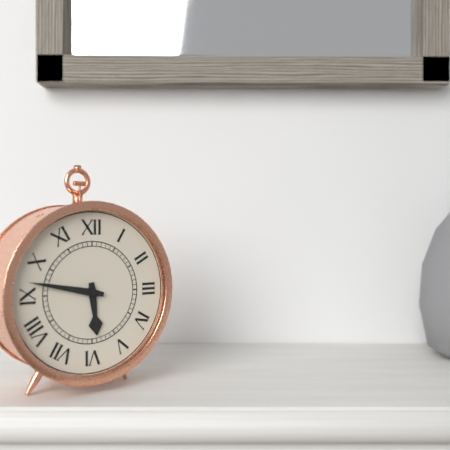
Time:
5.47
